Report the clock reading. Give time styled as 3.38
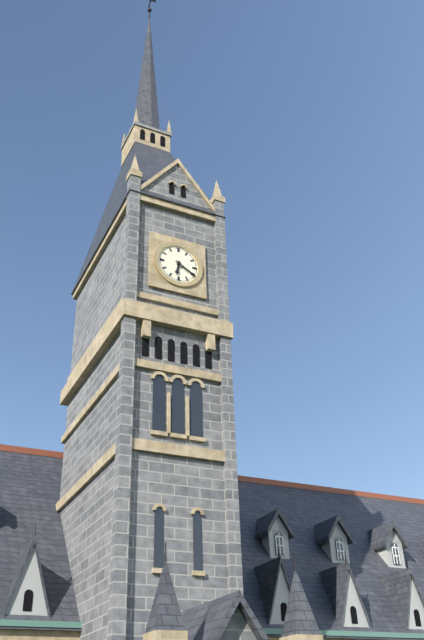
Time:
6.20
